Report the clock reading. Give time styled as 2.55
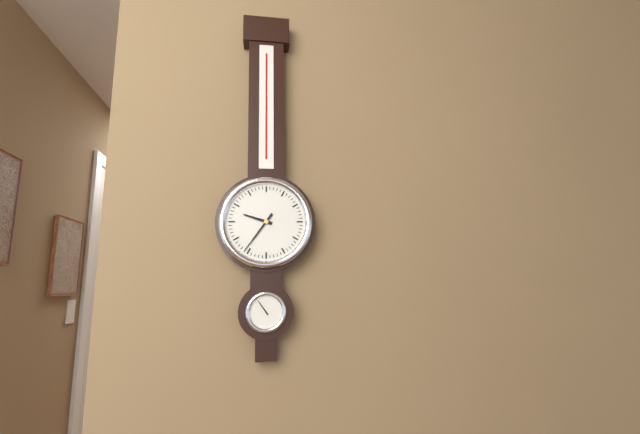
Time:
9.36
